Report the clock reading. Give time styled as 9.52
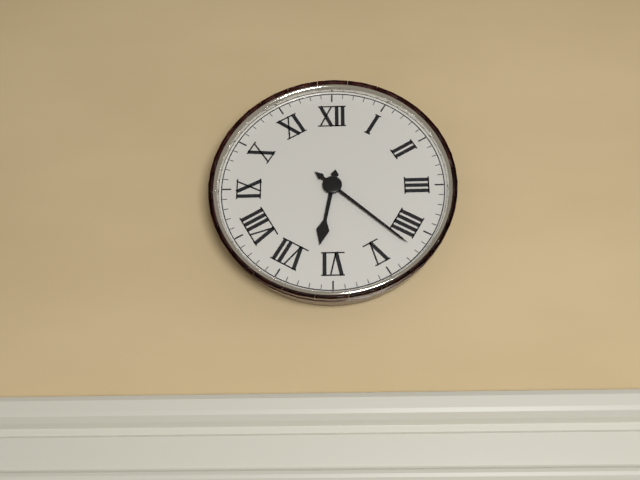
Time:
6.22
